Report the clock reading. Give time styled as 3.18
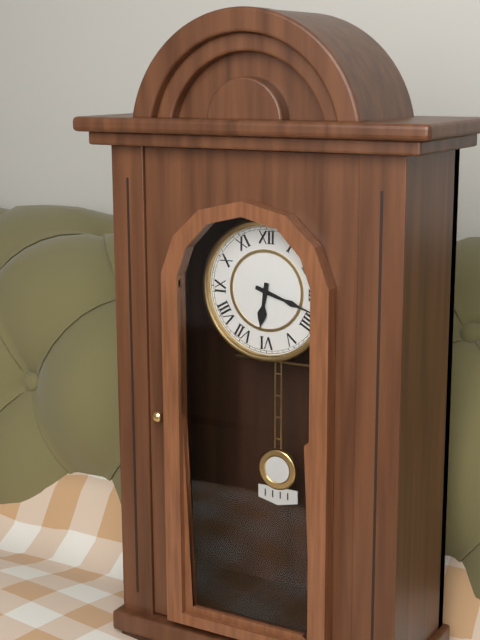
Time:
6.18
